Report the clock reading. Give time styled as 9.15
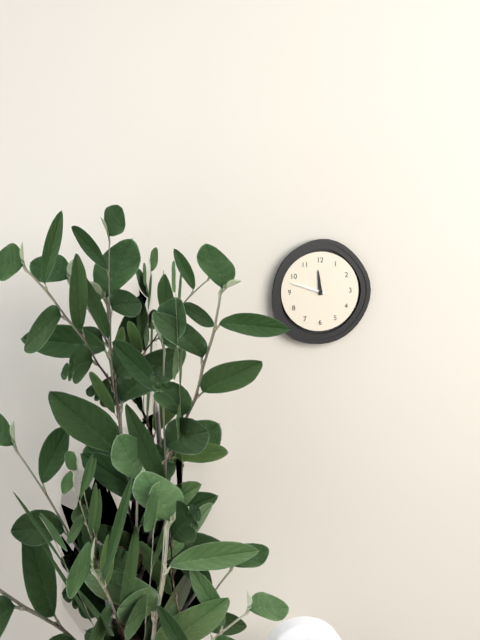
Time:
11.48
